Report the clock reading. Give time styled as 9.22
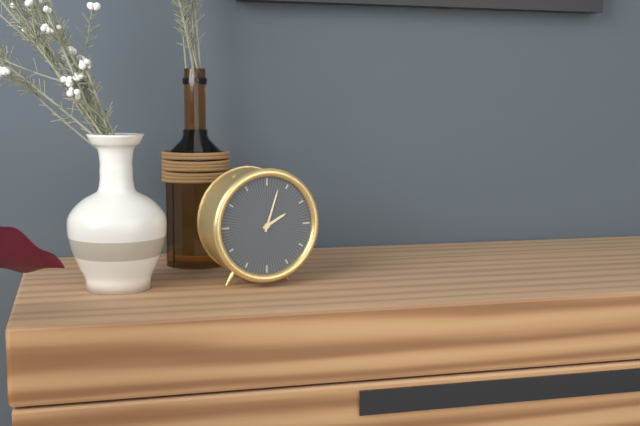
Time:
2.03
